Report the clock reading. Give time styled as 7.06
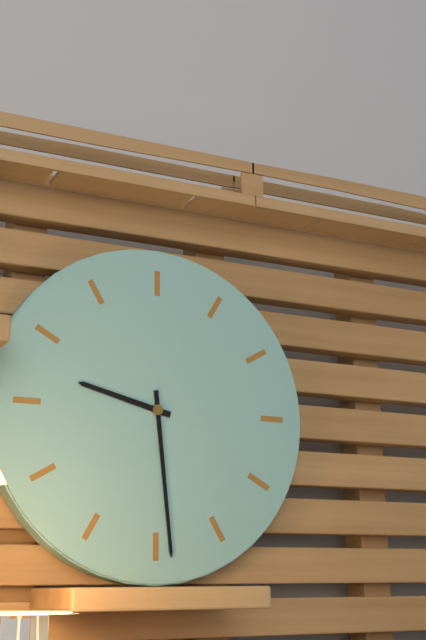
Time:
9.29
